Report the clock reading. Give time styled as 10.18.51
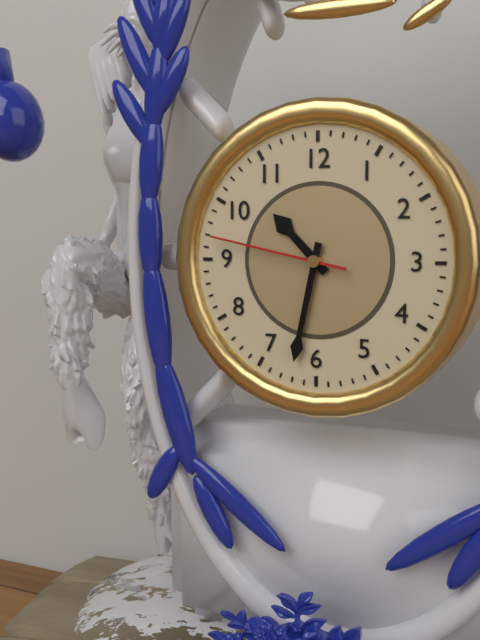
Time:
10.32.47
